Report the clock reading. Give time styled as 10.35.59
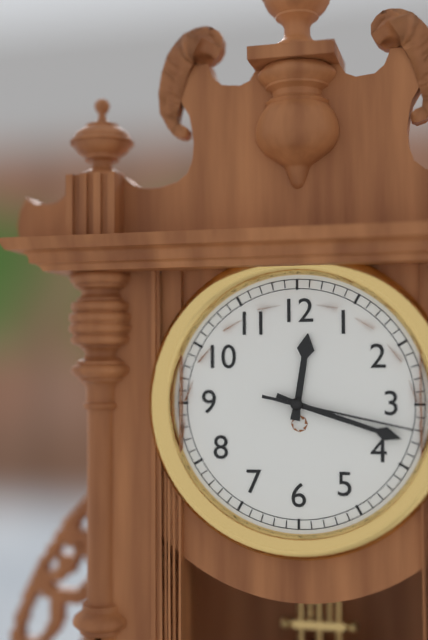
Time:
12.18.17
